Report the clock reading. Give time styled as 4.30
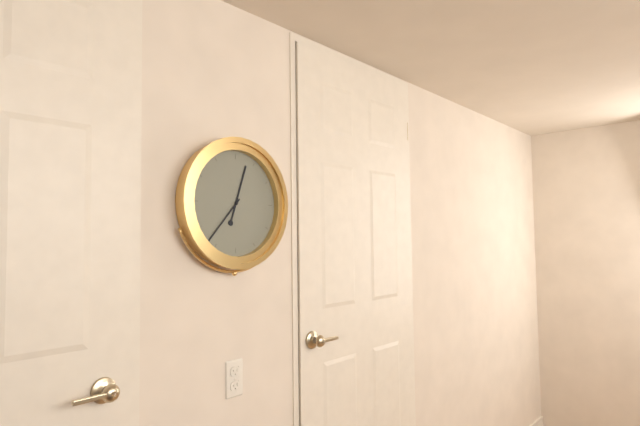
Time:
12.37
